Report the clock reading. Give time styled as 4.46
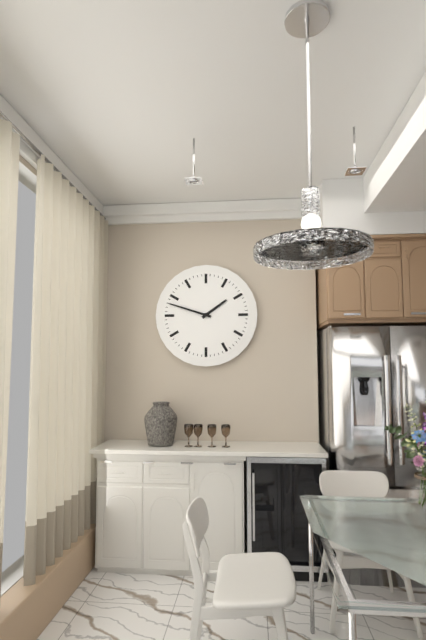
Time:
1.48
